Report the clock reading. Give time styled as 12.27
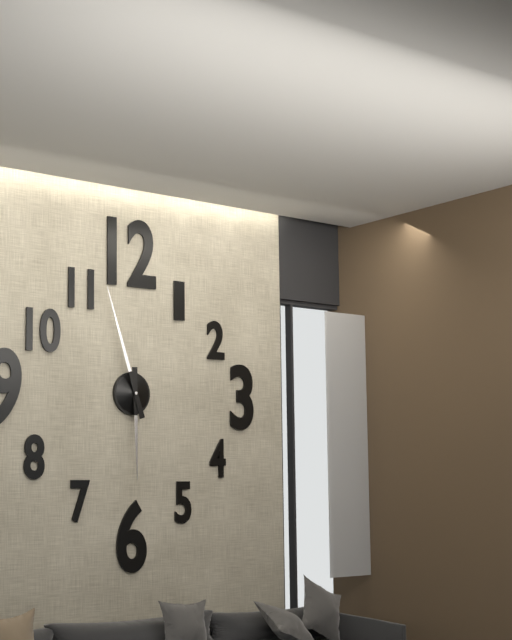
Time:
5.57
